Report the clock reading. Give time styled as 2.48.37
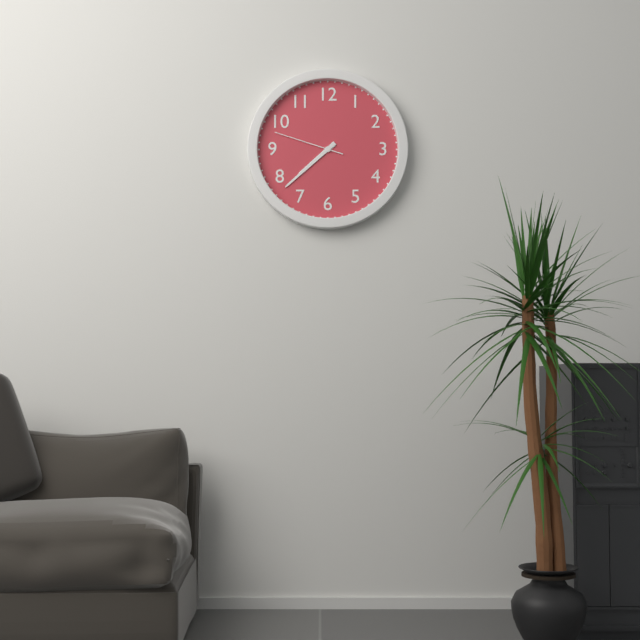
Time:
7.38.48
